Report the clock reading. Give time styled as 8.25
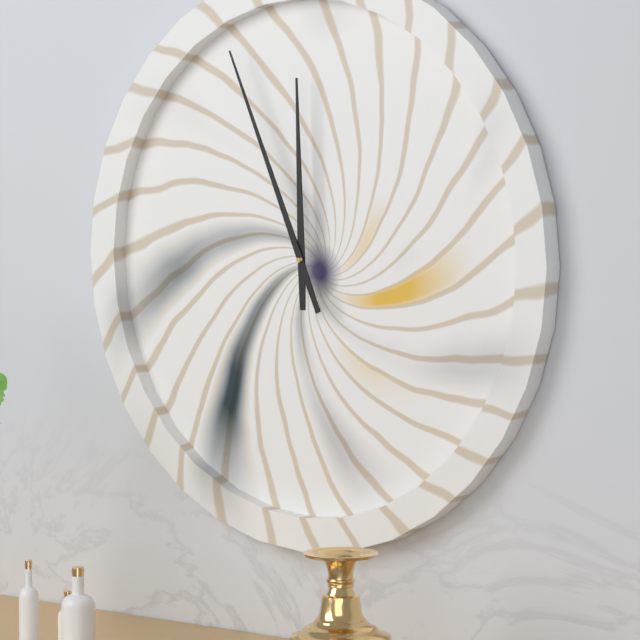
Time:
11.56
